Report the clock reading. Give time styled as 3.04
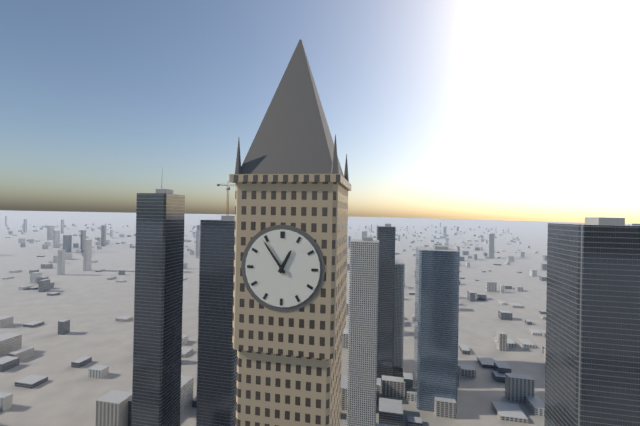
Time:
12.54
